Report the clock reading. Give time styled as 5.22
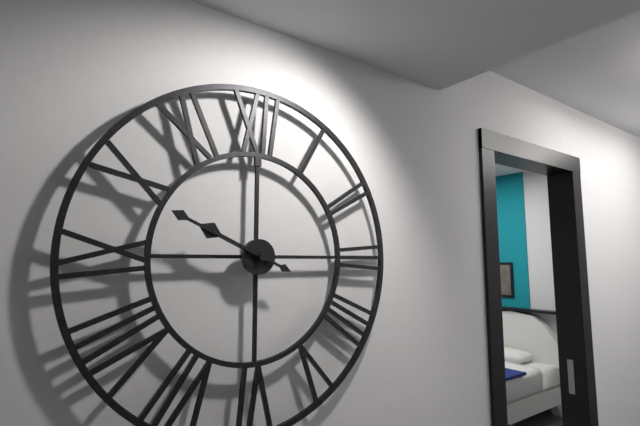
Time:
9.49
